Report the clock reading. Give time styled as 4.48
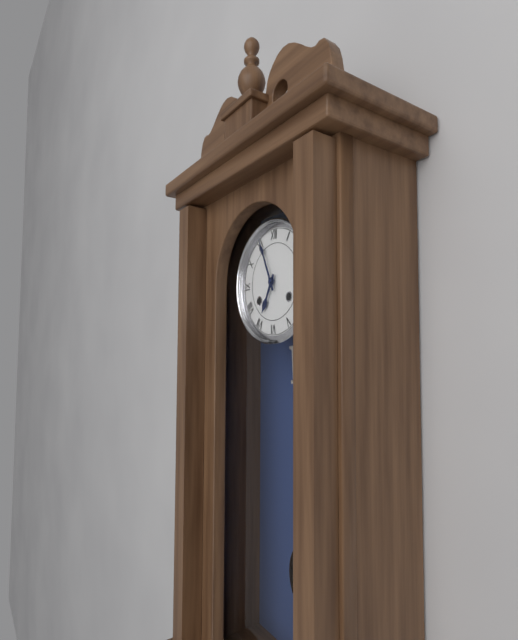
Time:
6.56
